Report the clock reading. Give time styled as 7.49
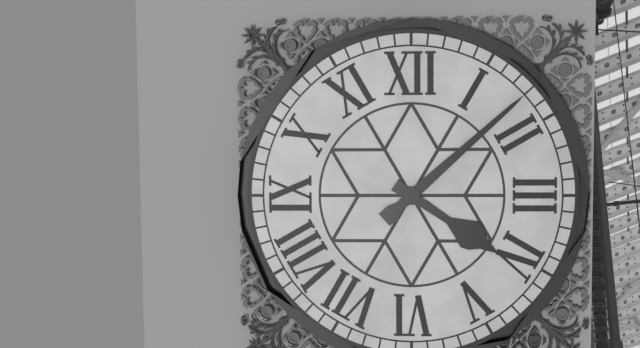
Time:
4.08
